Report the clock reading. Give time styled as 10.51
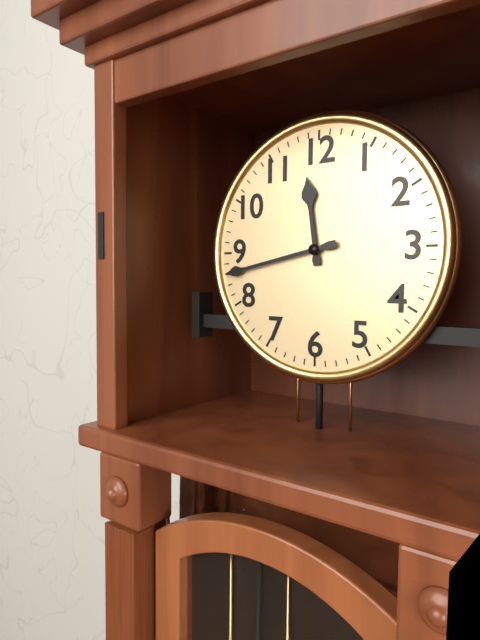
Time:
11.43
